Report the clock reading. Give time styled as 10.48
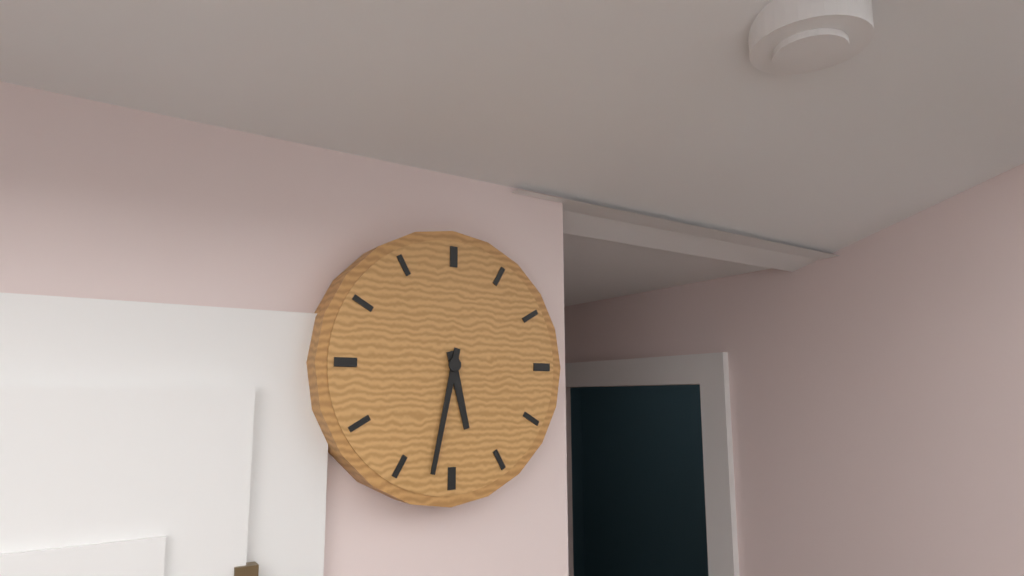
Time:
5.32
